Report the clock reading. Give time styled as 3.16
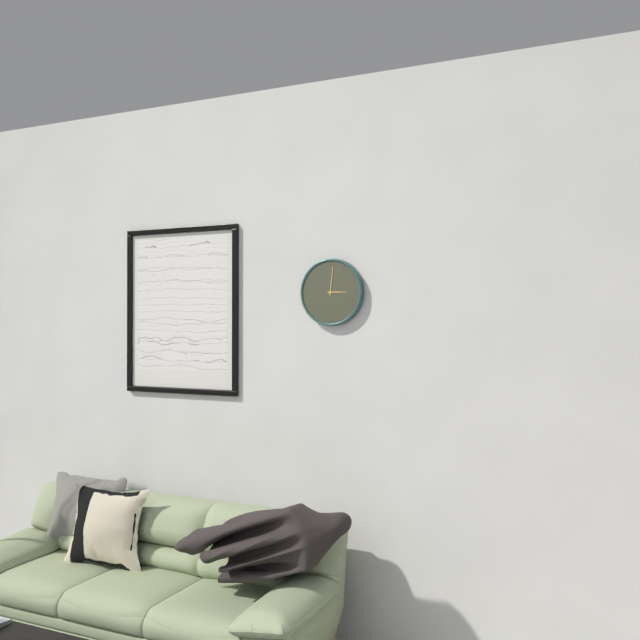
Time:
3.01
